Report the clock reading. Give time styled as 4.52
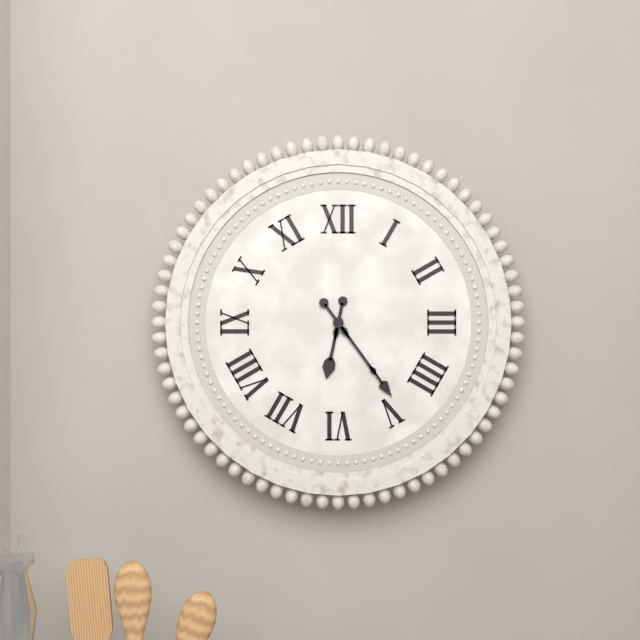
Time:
6.24
